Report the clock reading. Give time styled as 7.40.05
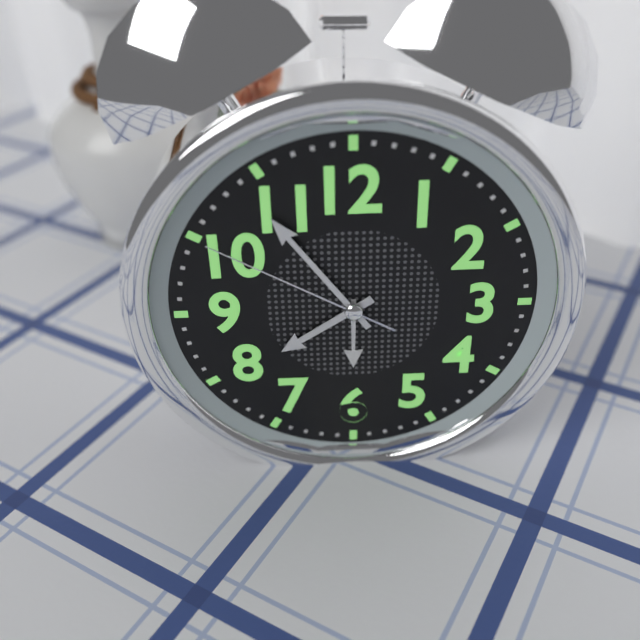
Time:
7.54.50
